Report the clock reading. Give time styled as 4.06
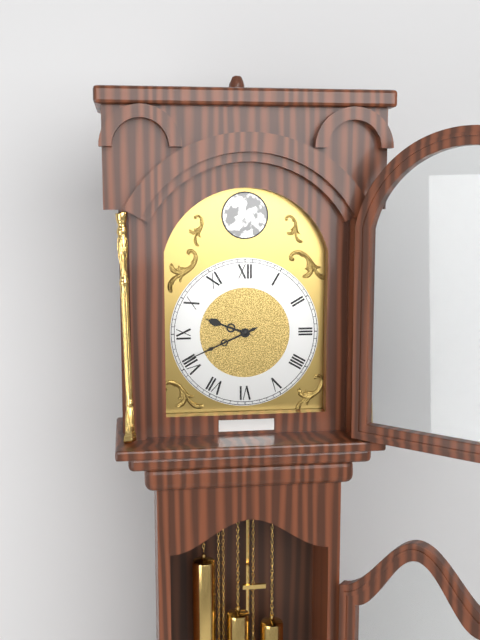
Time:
9.41
